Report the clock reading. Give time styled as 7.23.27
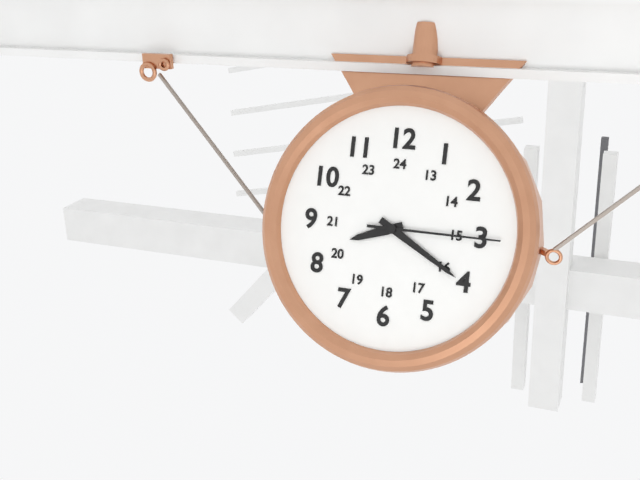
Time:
8.20.15
